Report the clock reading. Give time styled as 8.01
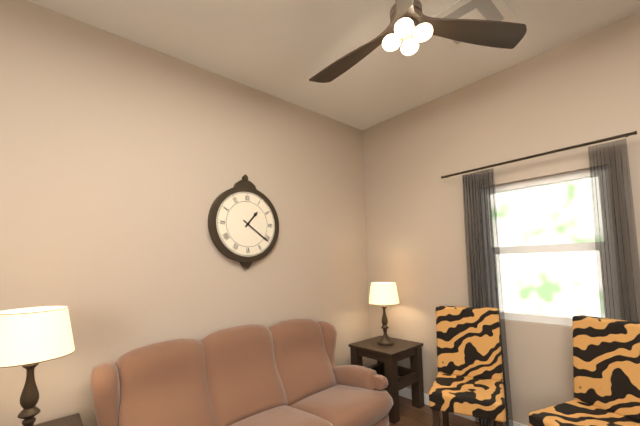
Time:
1.21
